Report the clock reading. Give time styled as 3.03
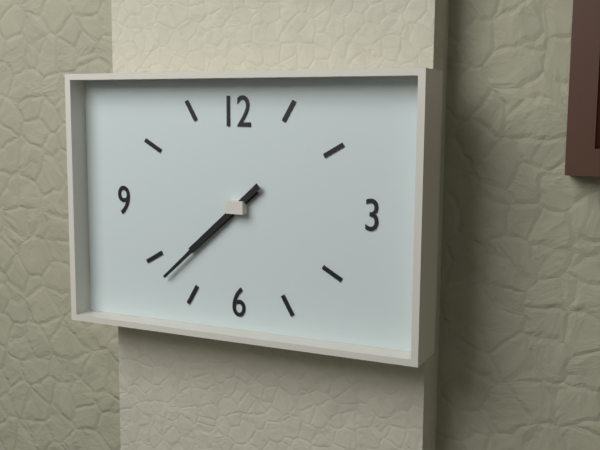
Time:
7.38
